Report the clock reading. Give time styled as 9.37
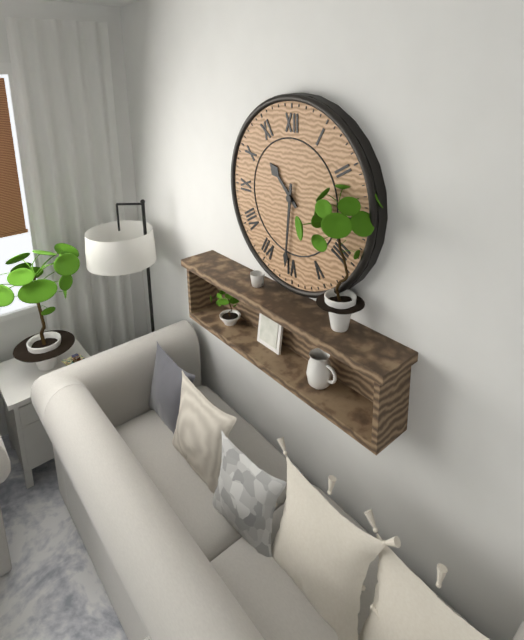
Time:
10.31
